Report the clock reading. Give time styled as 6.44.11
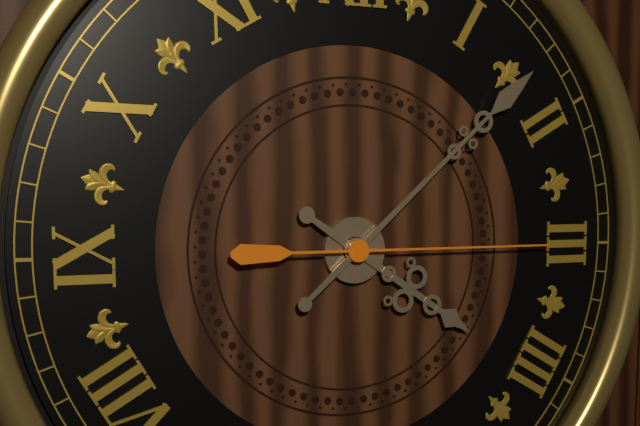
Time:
4.08.15
